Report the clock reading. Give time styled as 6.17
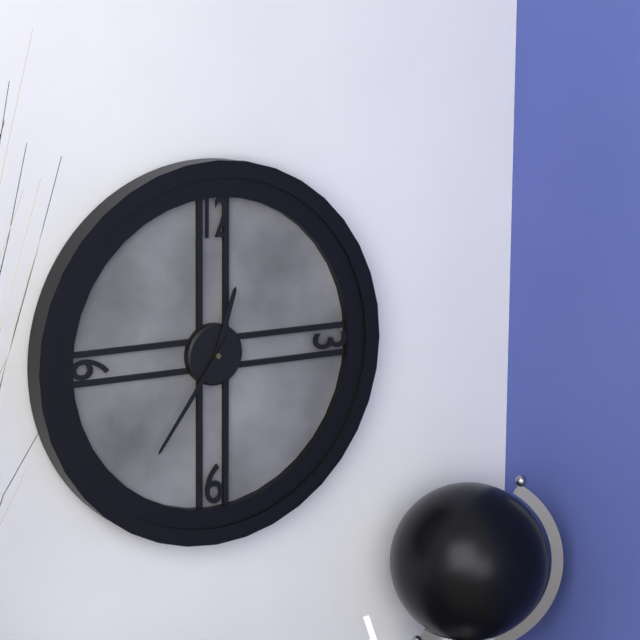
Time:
12.36
